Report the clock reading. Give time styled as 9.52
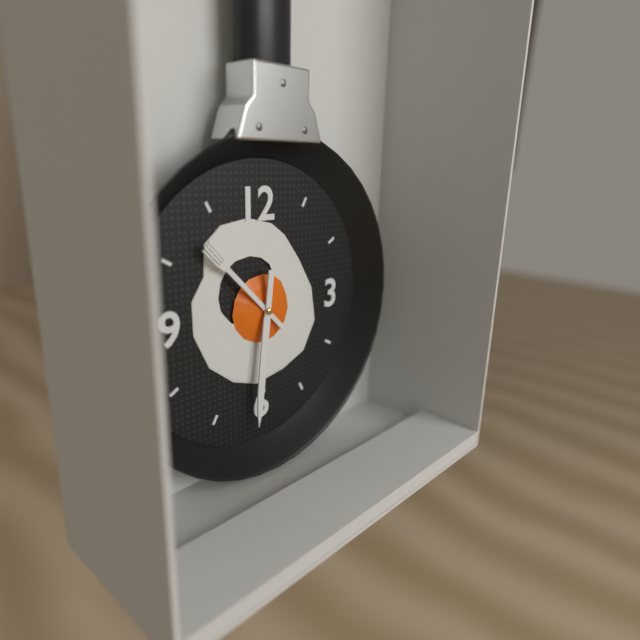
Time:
10.31
